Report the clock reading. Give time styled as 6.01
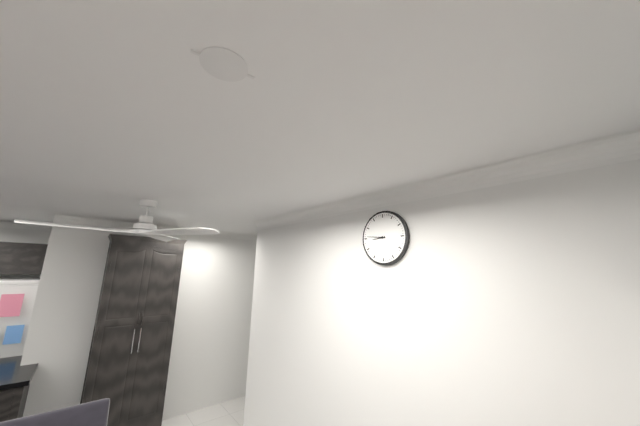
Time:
8.46
